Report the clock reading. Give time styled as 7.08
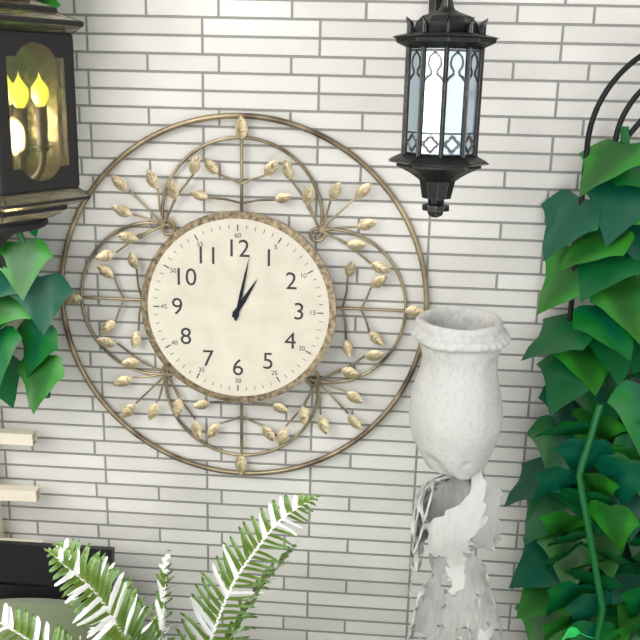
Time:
1.02
